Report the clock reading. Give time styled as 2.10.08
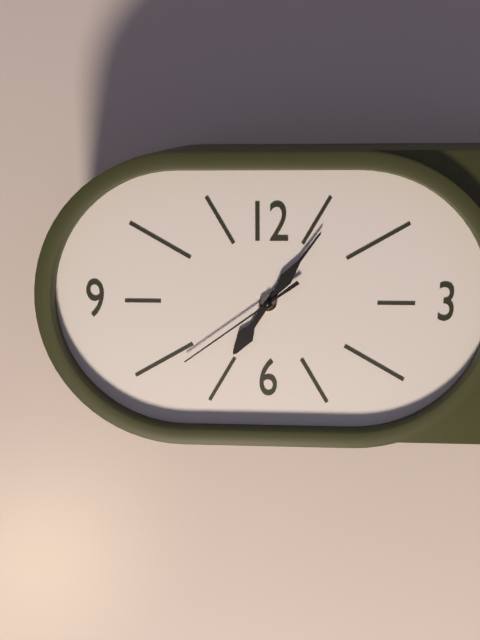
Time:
7.06.39
